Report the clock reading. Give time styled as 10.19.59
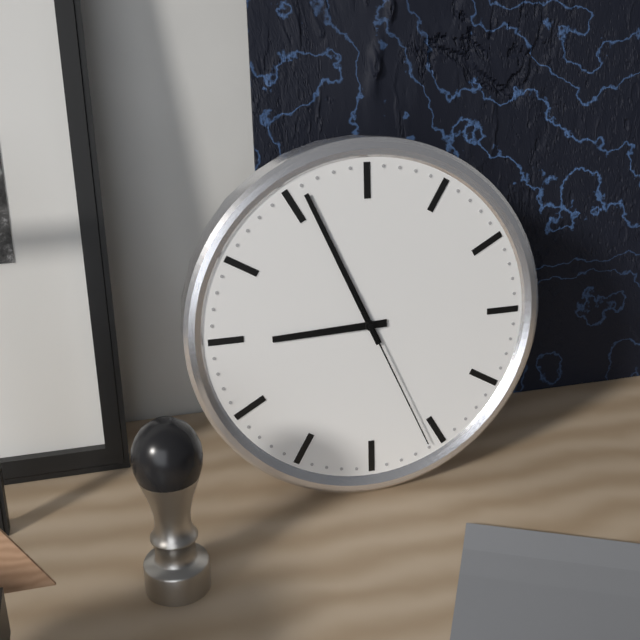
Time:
8.56.26
